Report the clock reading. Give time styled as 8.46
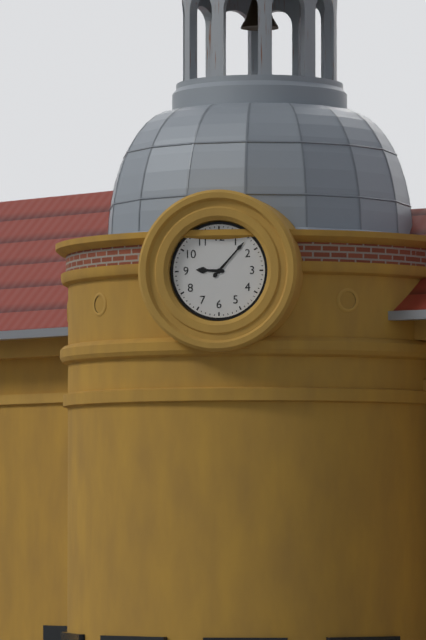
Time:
9.07
